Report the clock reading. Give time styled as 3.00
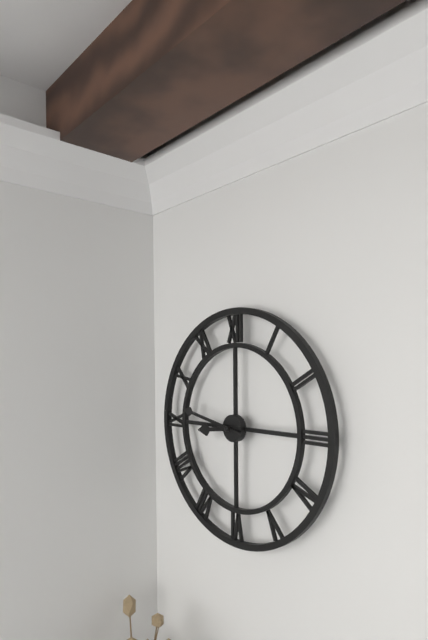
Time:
8.47
